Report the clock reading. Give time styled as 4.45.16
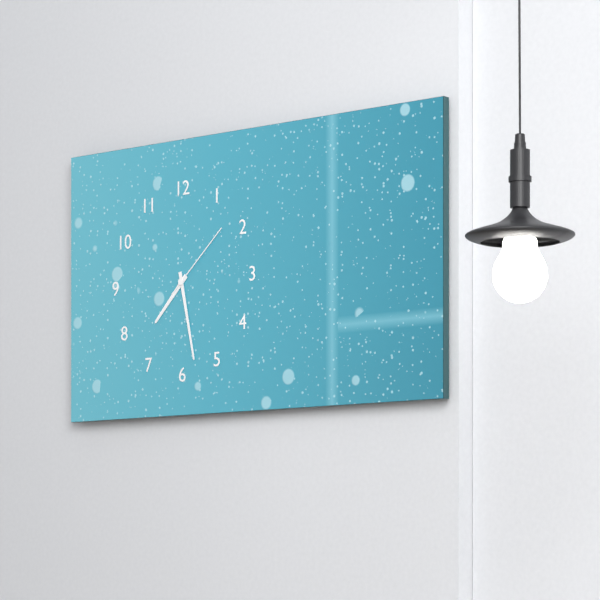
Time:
7.28.08
